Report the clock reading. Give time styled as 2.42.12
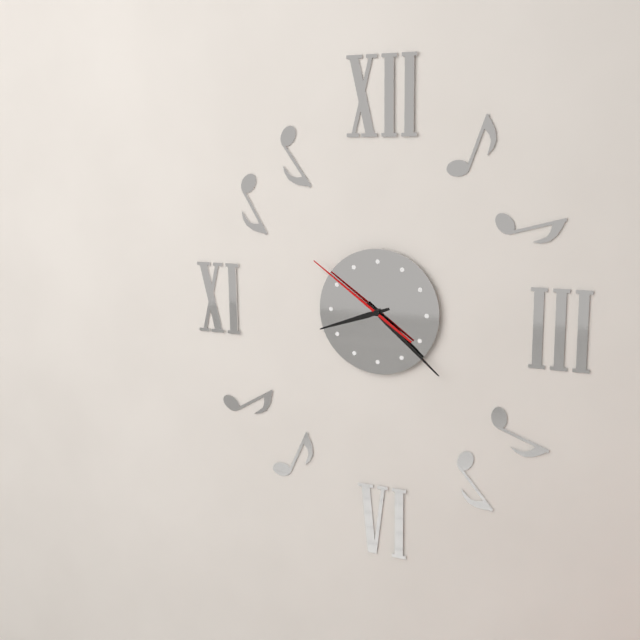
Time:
8.22.51
